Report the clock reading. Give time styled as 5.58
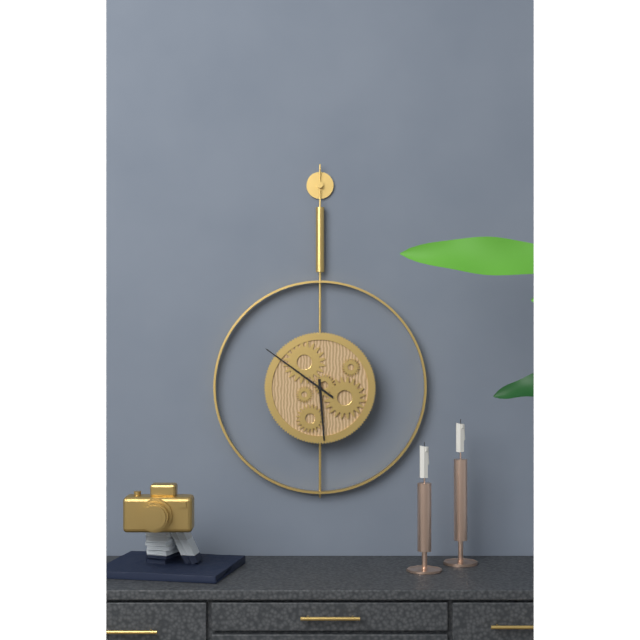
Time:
5.51
